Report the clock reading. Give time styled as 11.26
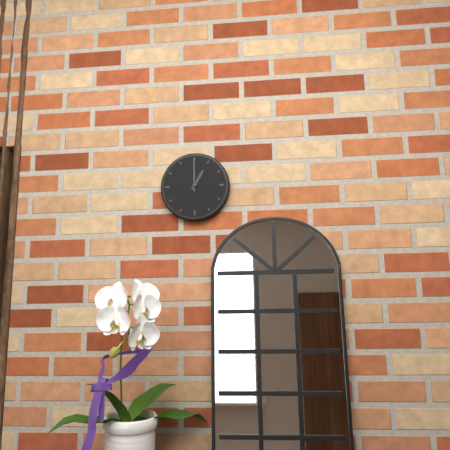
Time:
1.00
